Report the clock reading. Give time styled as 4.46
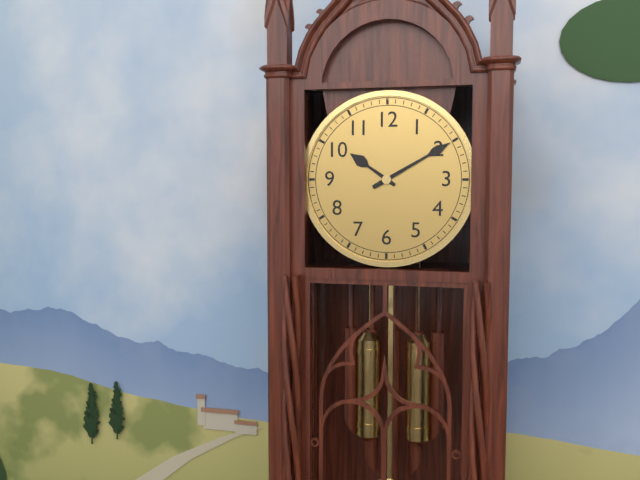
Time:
10.10
